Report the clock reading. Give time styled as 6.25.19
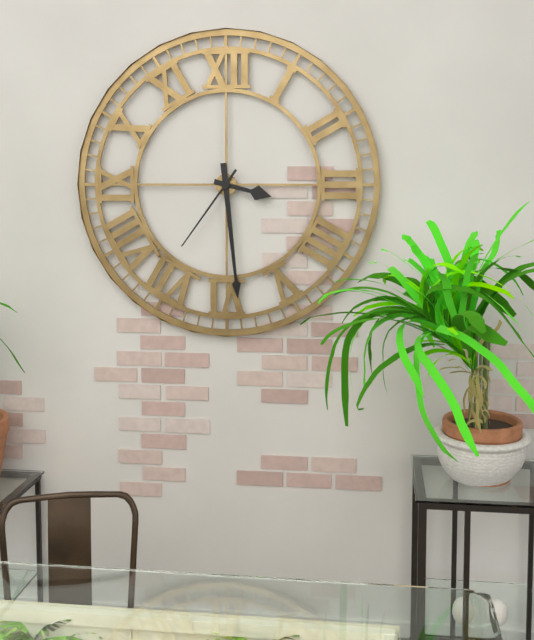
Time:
3.29.36
